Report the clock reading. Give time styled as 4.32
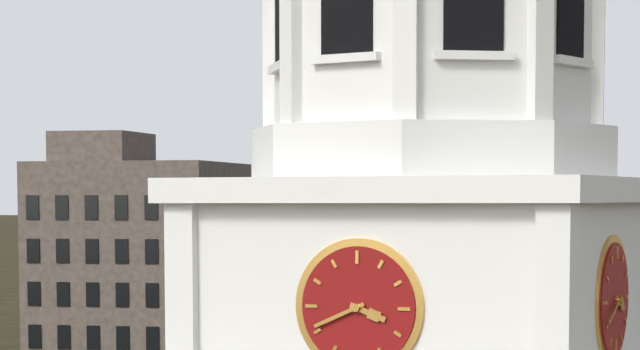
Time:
3.41
